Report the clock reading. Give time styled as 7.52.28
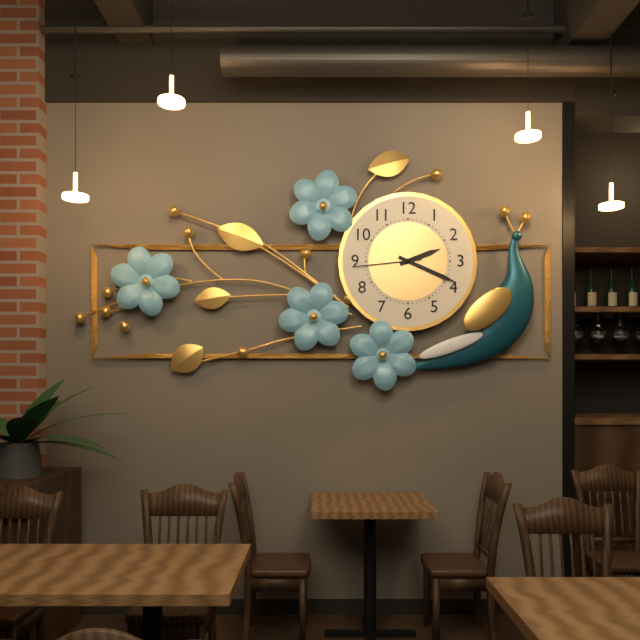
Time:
2.19.44
